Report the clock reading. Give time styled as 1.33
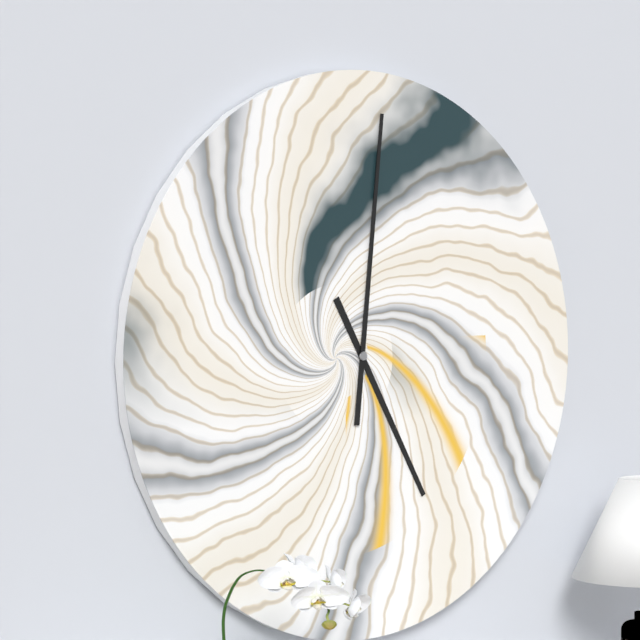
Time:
5.01
